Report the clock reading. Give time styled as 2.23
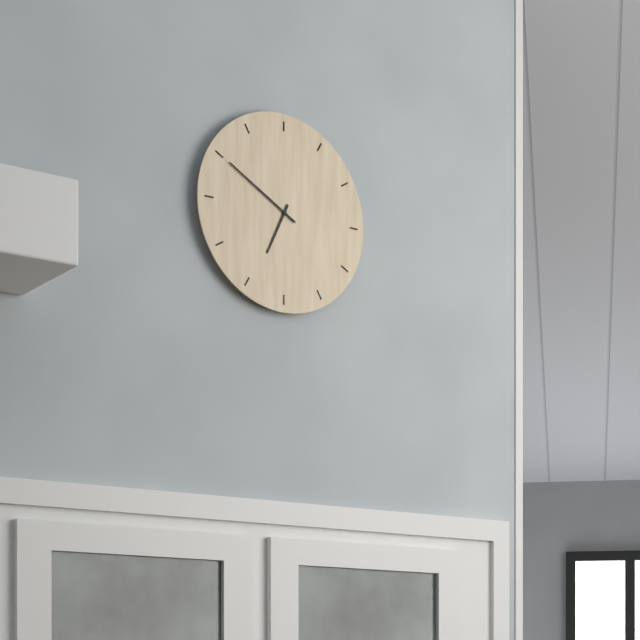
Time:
6.50
